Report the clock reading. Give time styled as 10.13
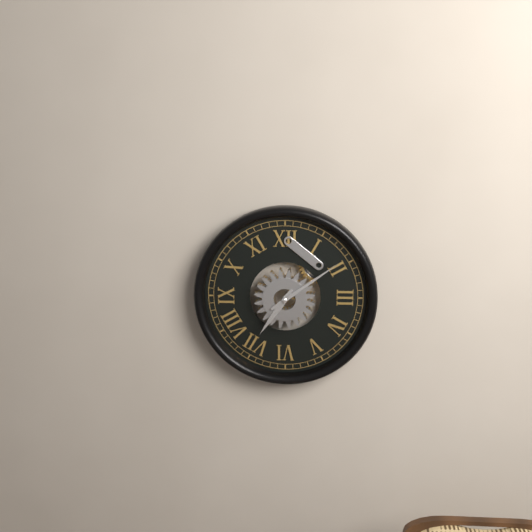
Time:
7.09
